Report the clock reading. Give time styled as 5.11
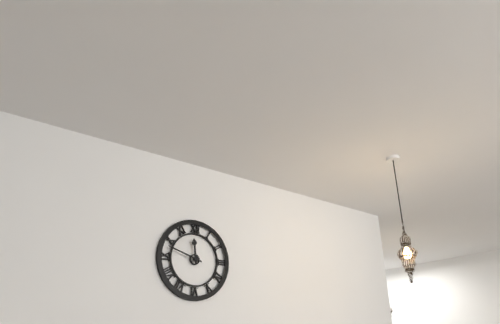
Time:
11.48
